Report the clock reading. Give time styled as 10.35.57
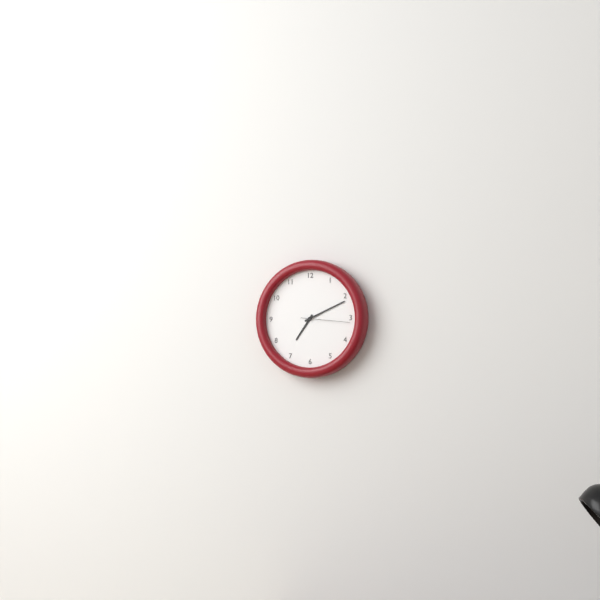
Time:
7.11.16
